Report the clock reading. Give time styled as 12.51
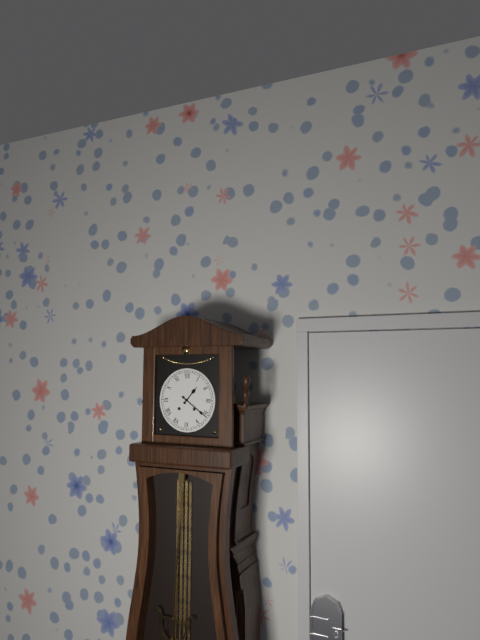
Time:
1.21
